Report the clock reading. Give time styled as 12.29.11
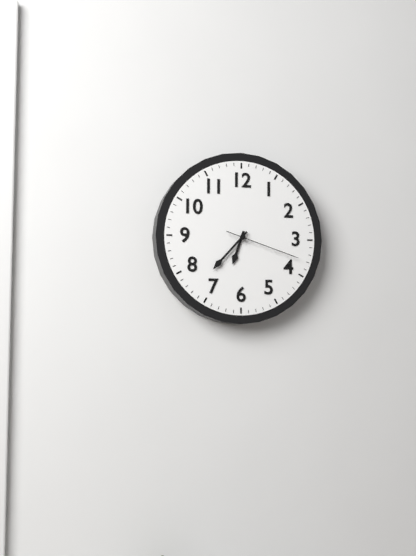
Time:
6.37.18
